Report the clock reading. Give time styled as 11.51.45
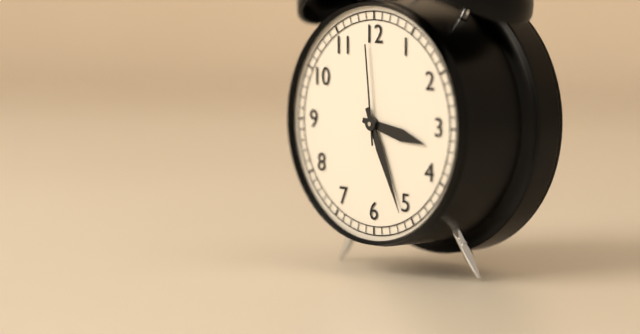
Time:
3.26.59
